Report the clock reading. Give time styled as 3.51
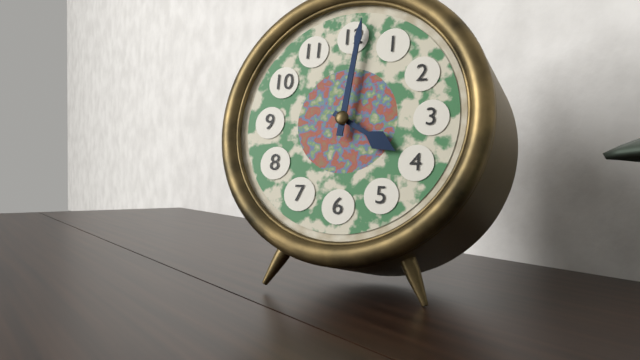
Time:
4.01
